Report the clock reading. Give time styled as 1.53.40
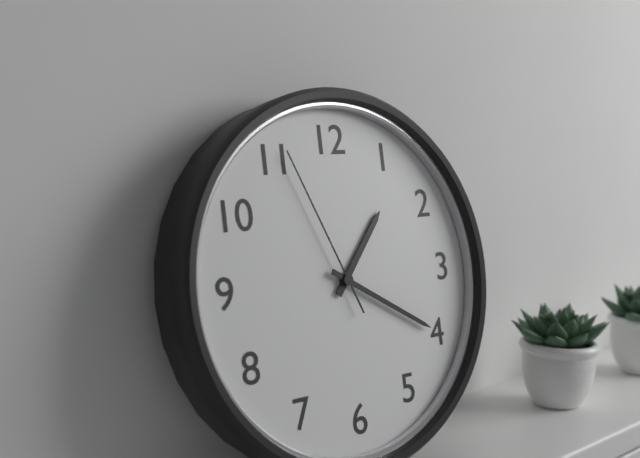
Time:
1.20.56
